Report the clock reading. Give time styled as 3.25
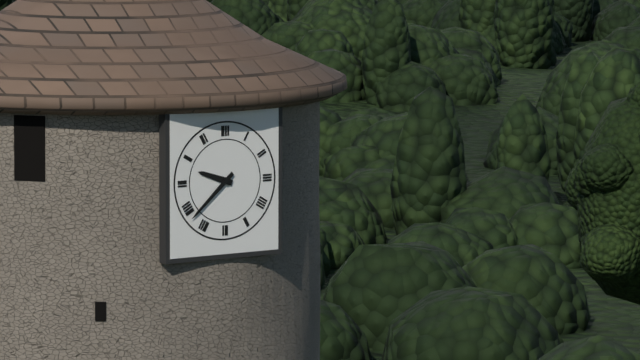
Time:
9.38
